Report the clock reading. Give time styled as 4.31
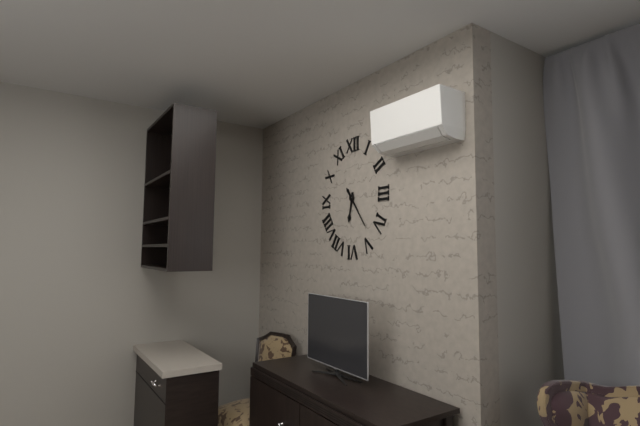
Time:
6.24
